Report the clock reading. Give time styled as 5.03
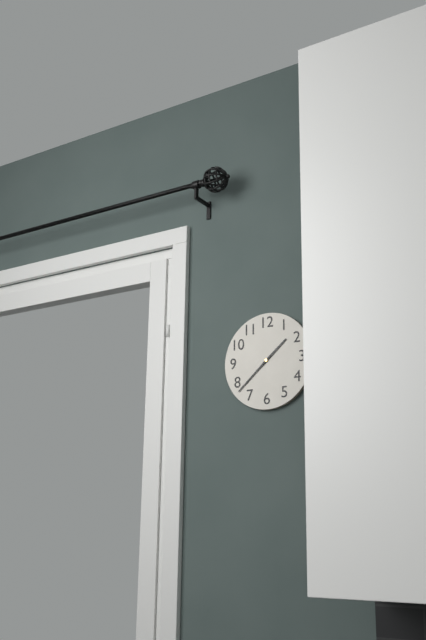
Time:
1.38
